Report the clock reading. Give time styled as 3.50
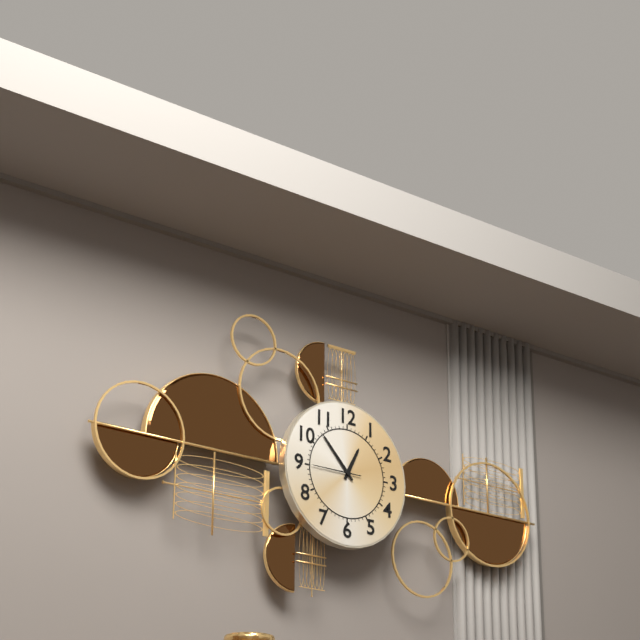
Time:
12.53
